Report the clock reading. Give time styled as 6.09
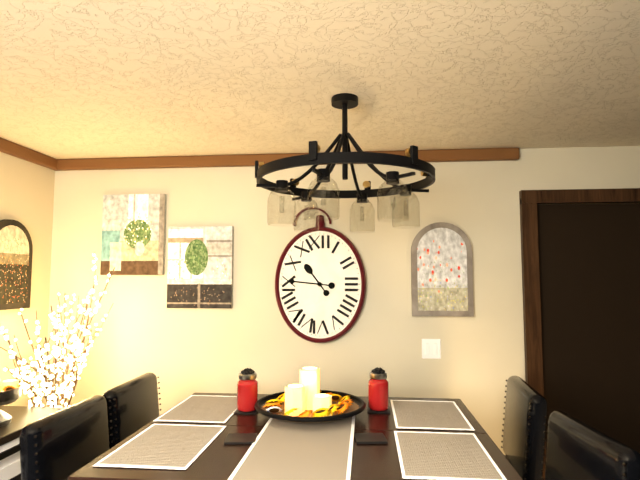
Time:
10.46
